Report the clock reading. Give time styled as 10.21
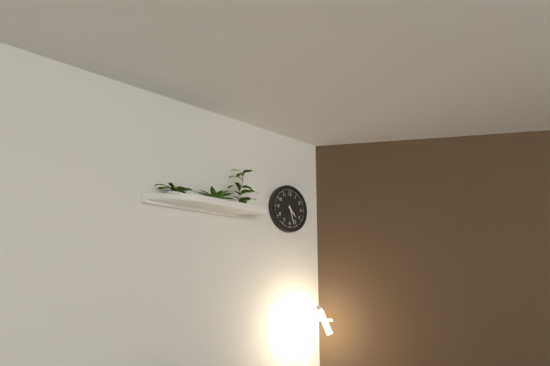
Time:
4.27
